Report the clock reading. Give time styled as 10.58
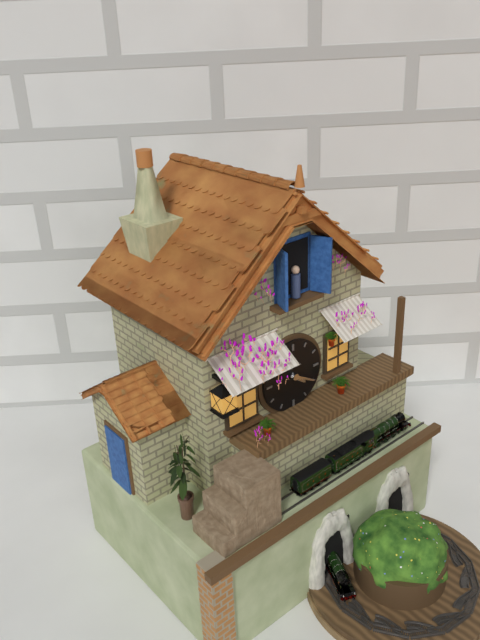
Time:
4.20
